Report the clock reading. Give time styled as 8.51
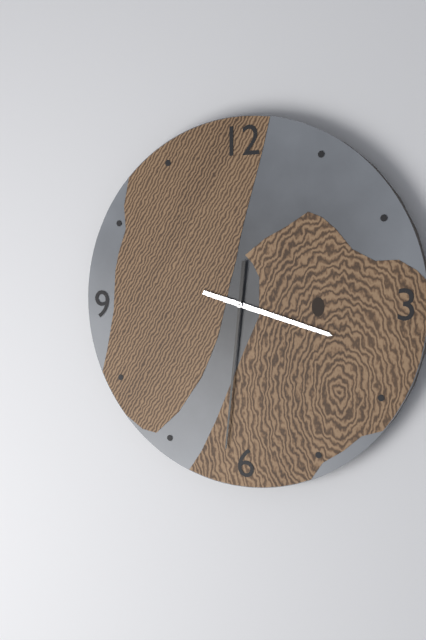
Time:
3.31
